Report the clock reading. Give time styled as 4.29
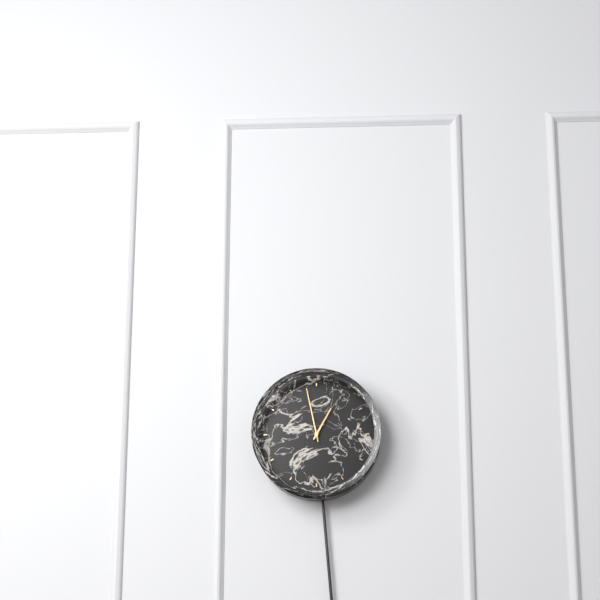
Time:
12.58
